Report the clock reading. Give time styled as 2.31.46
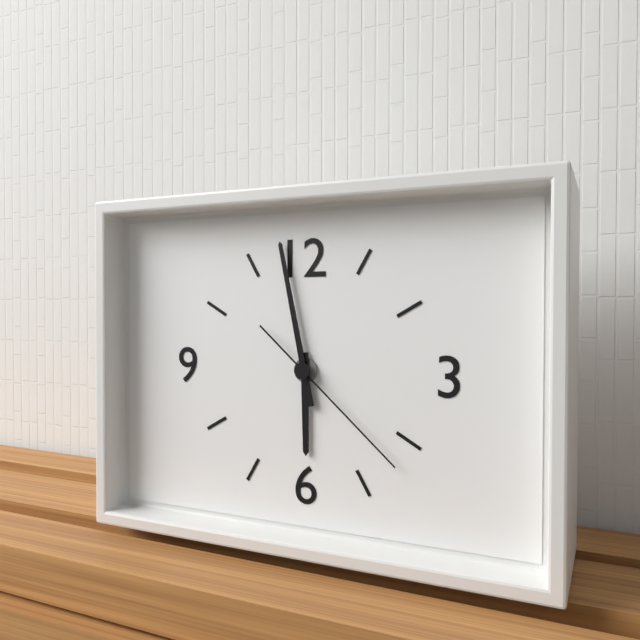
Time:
5.58.22
